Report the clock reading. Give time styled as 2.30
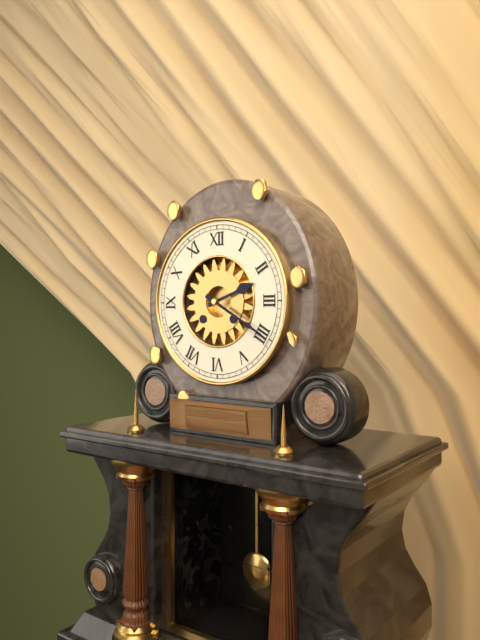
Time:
2.20
